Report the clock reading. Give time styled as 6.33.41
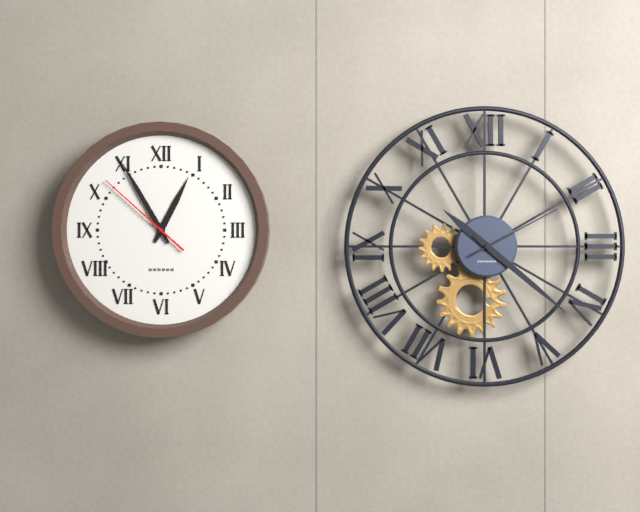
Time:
12.55.52
